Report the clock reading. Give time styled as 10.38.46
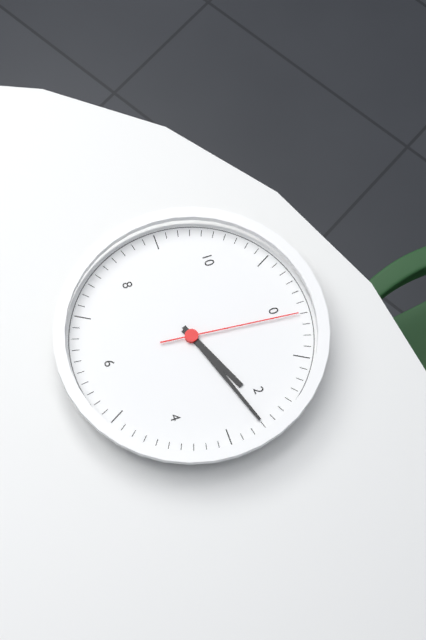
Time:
2.12.01
